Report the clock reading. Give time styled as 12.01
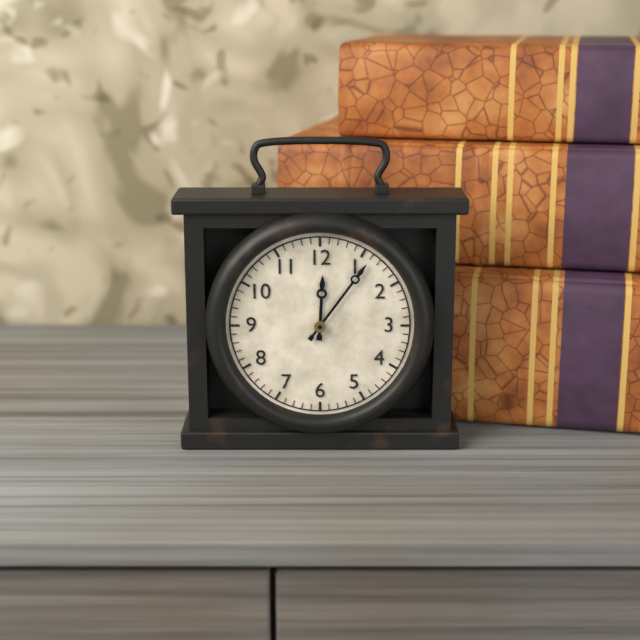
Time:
12.06
